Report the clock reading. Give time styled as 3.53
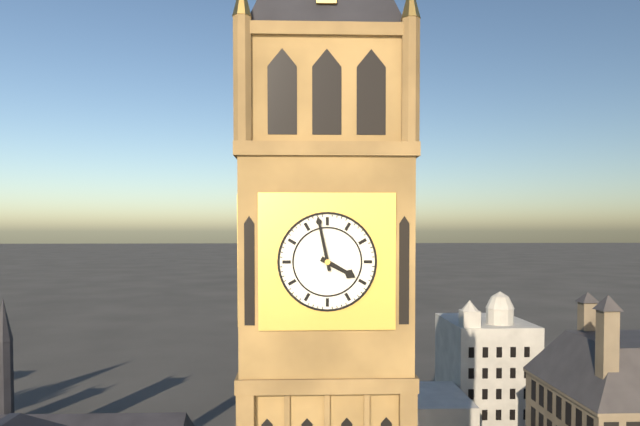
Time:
3.58
